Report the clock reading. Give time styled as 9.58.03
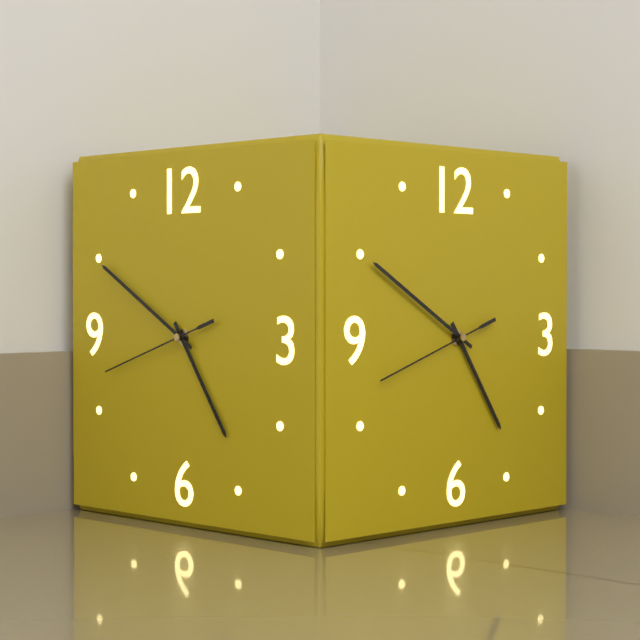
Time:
4.50.42
